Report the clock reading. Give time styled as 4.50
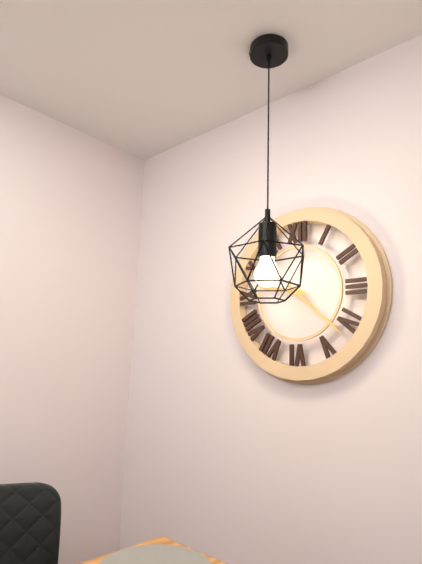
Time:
9.22
